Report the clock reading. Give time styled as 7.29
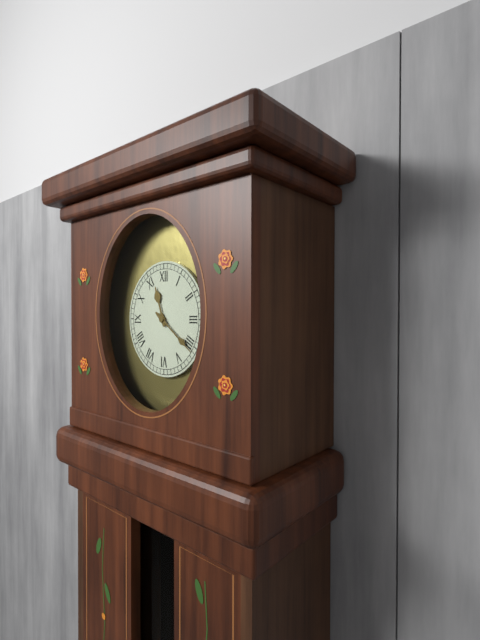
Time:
11.21
